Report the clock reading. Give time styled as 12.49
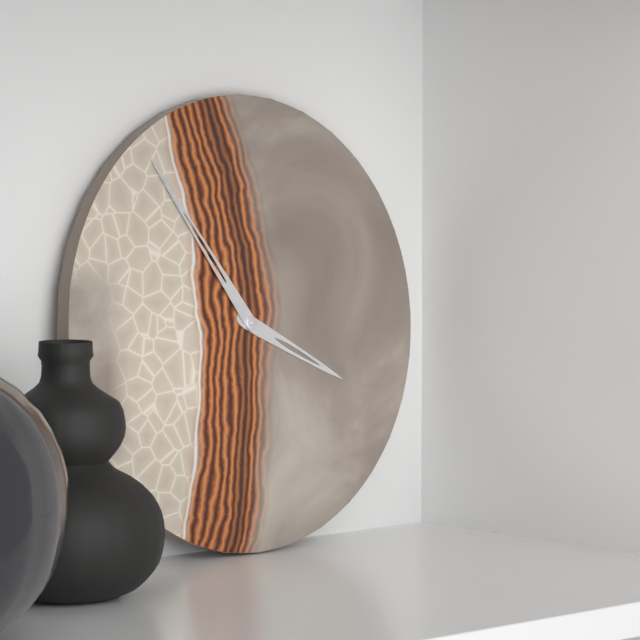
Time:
3.54
